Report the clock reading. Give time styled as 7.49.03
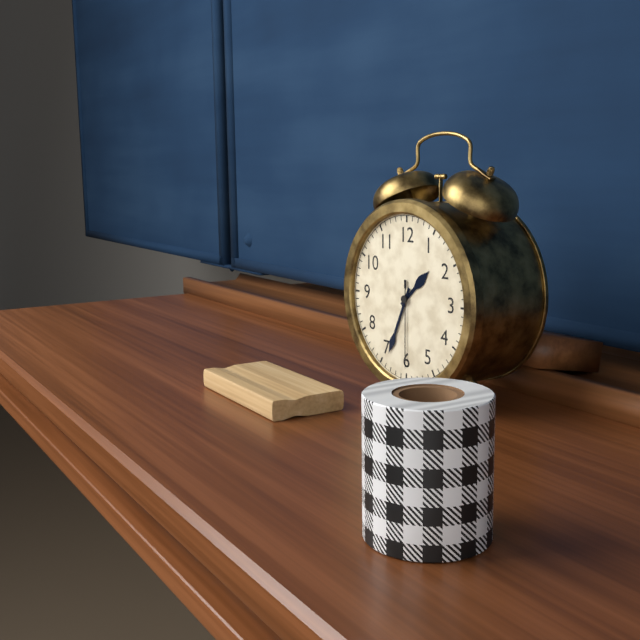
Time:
1.34.30
